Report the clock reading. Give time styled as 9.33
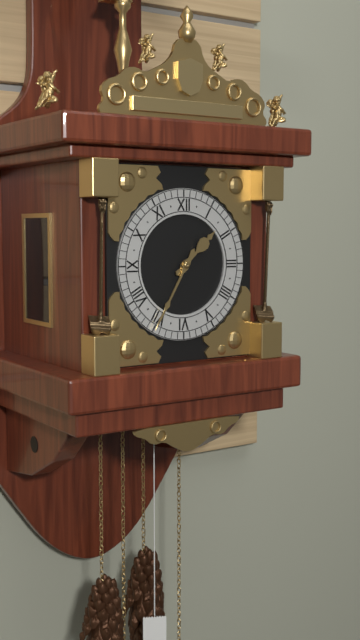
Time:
1.35
